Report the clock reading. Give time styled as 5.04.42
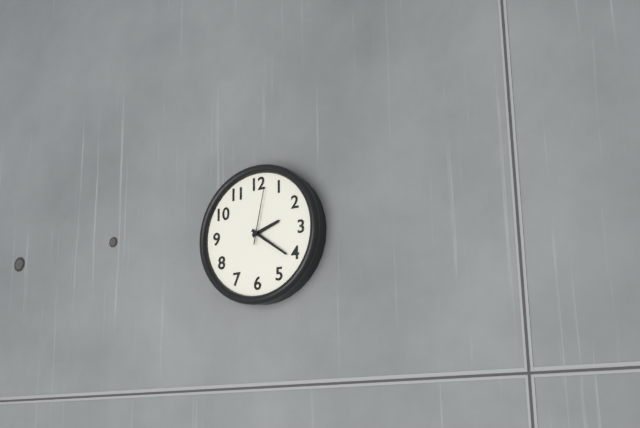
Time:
2.21.02
